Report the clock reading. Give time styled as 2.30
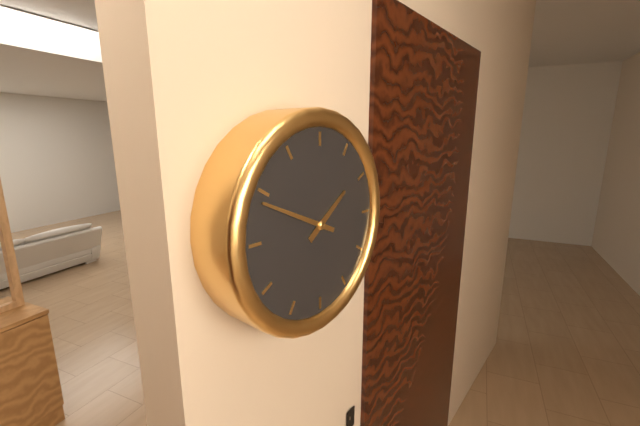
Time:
1.49
